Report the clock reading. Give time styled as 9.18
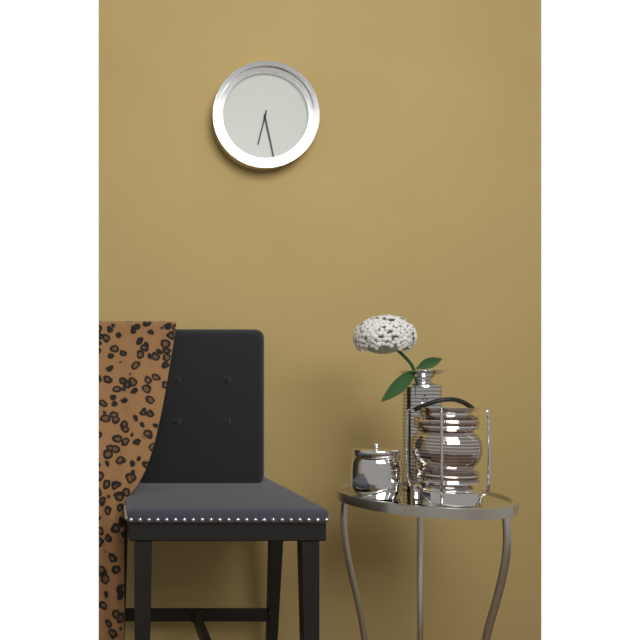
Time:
6.28
